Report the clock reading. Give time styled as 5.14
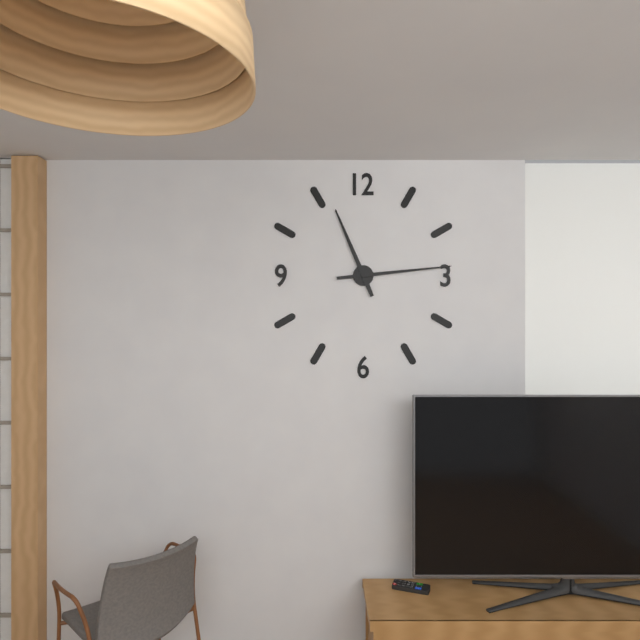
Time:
11.14
